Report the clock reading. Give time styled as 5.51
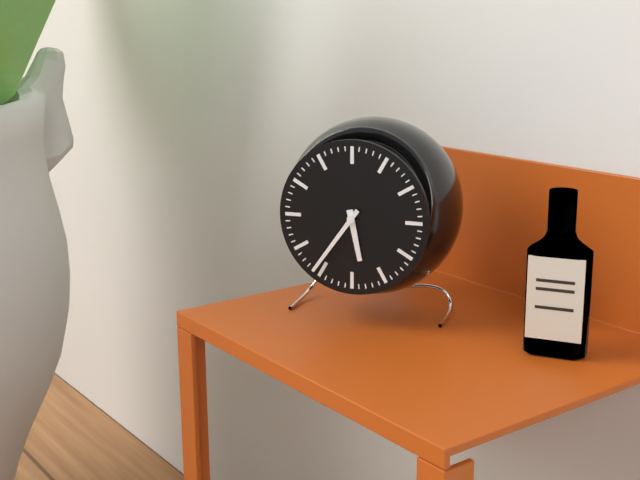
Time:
5.36
